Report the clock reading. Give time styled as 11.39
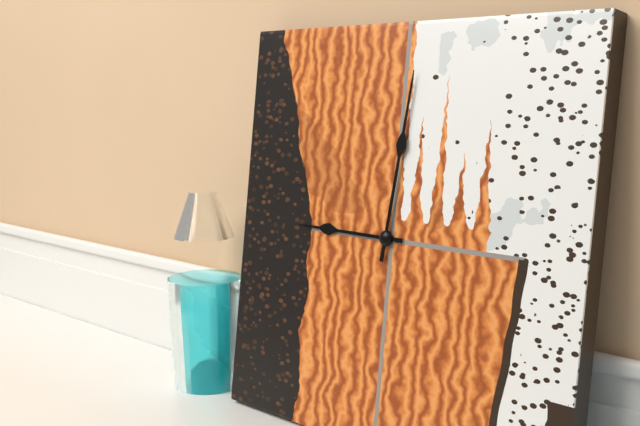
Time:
9.01
